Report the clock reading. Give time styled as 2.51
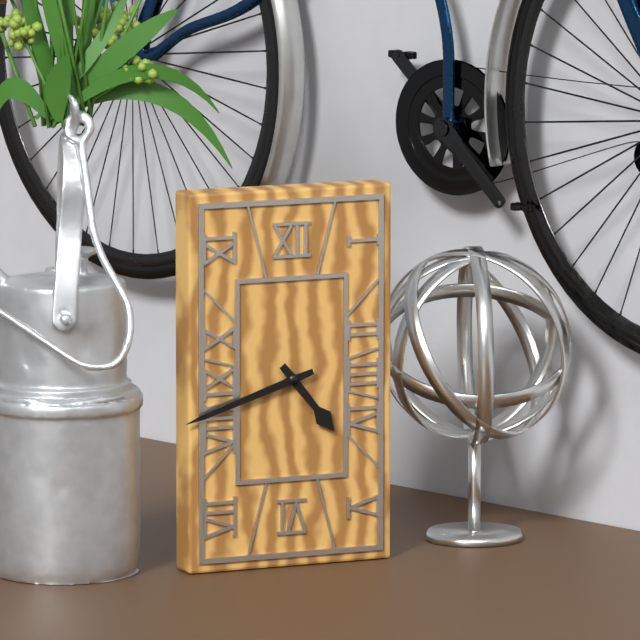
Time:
4.42
